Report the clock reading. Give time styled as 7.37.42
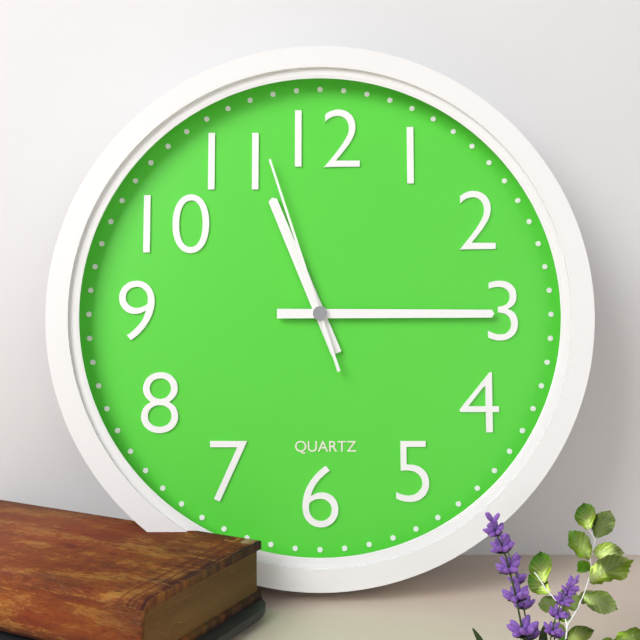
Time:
11.15.57
